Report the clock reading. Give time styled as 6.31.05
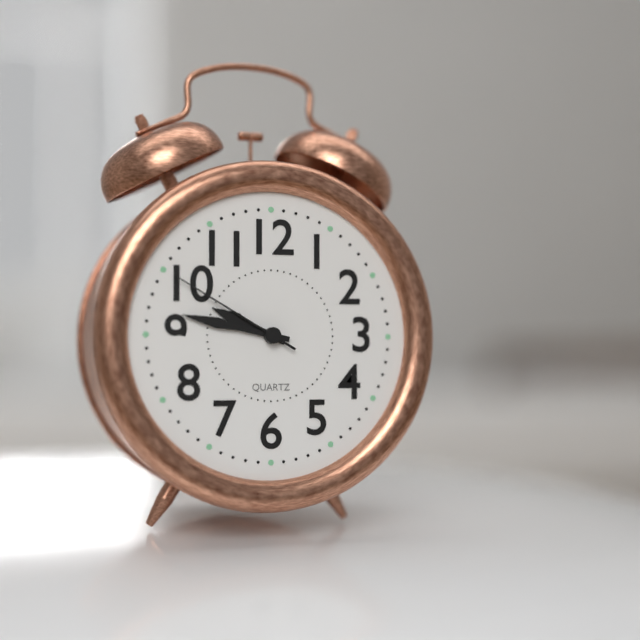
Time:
9.47.50
